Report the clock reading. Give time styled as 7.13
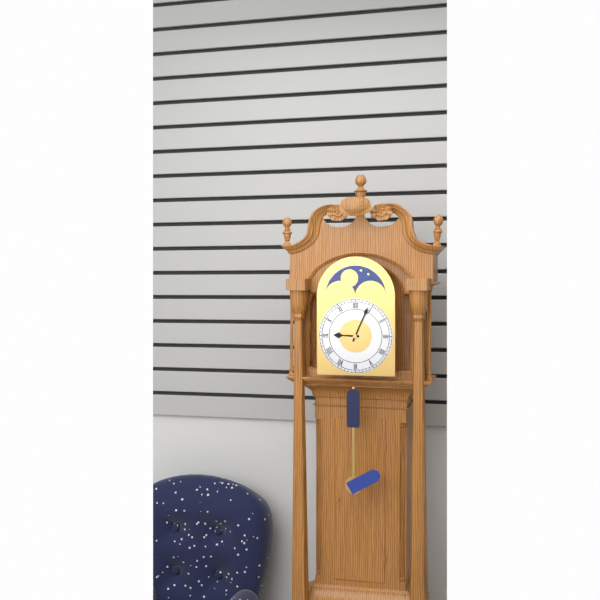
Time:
9.04
